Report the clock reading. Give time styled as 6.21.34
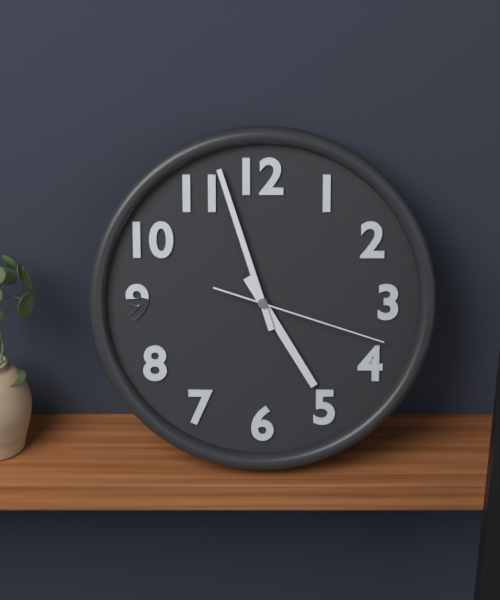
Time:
4.57.18
